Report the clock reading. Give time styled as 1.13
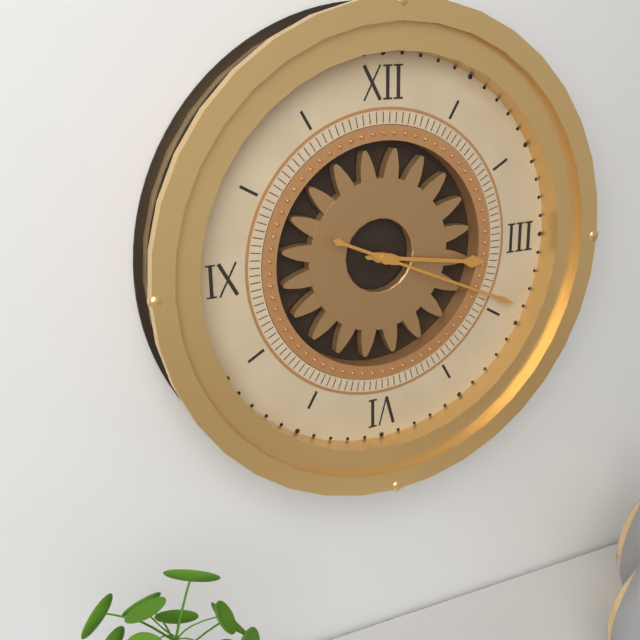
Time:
3.19
